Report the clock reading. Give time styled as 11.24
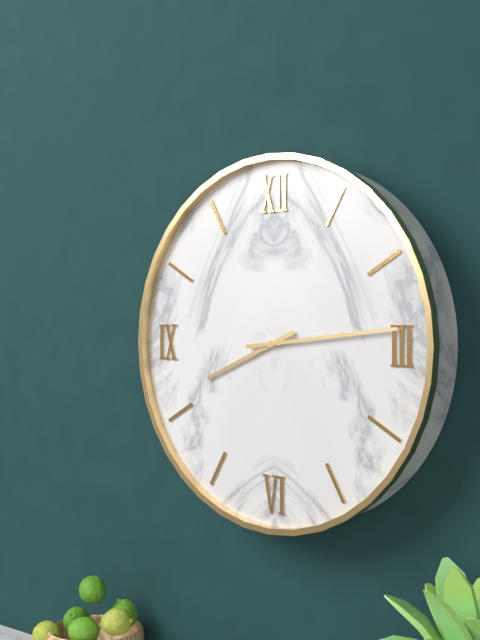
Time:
8.14
